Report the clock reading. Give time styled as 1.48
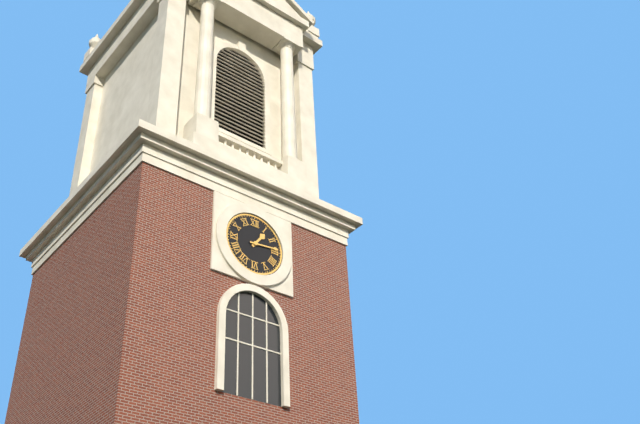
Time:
1.14
